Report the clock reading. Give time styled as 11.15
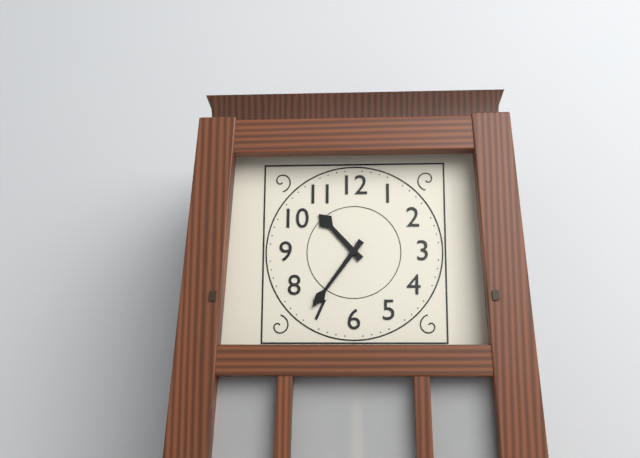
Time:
10.36
